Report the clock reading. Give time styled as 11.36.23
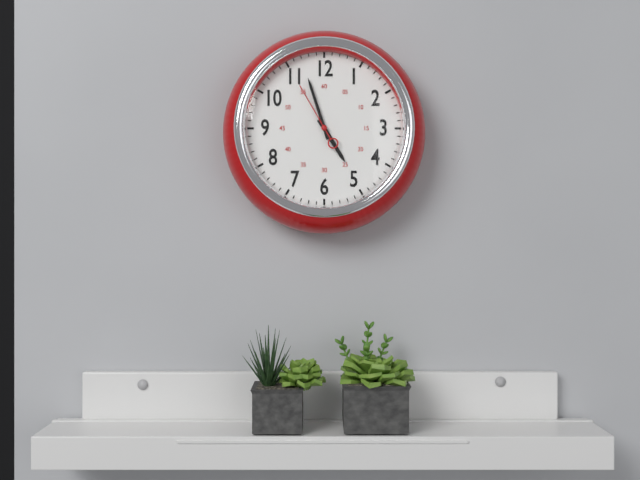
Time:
4.57.55
